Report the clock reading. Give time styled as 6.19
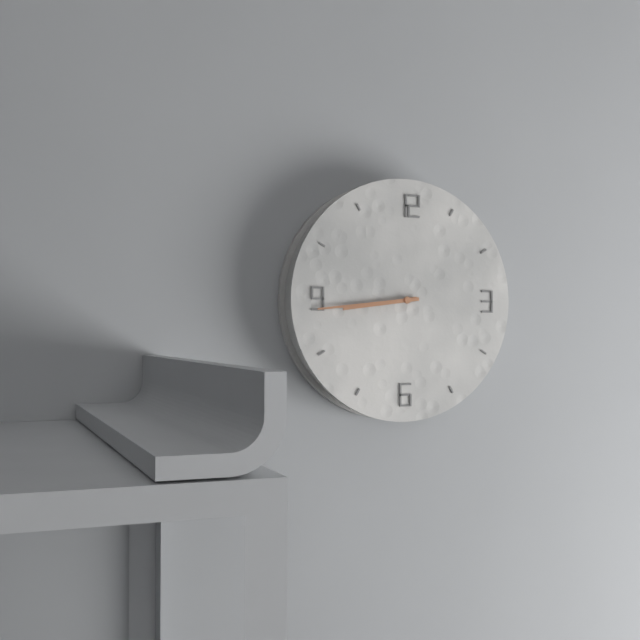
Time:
8.44
